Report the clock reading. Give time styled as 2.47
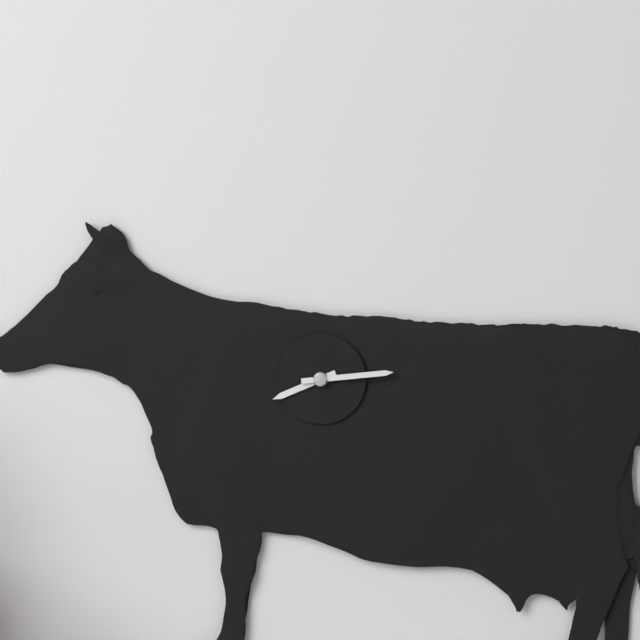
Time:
8.14
